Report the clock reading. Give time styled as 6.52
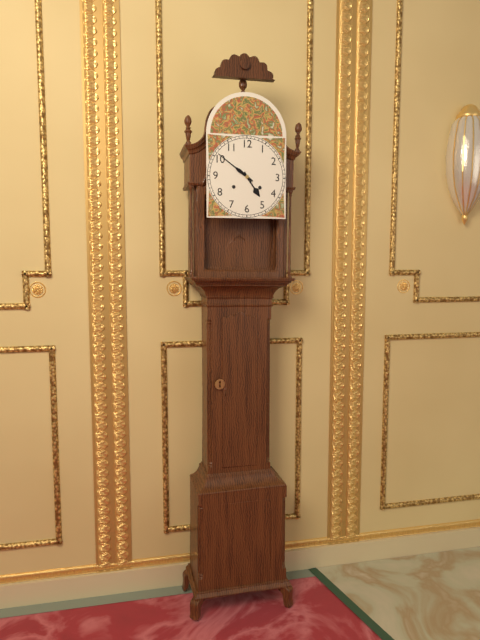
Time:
4.51
